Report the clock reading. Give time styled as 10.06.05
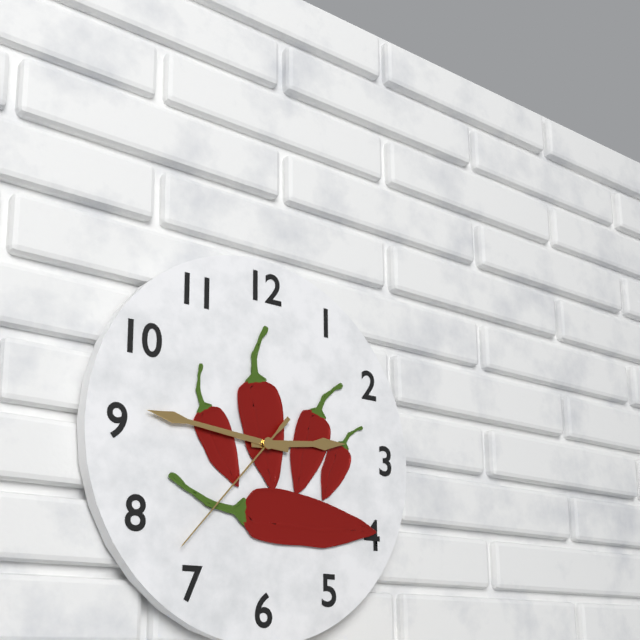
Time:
2.46.37
